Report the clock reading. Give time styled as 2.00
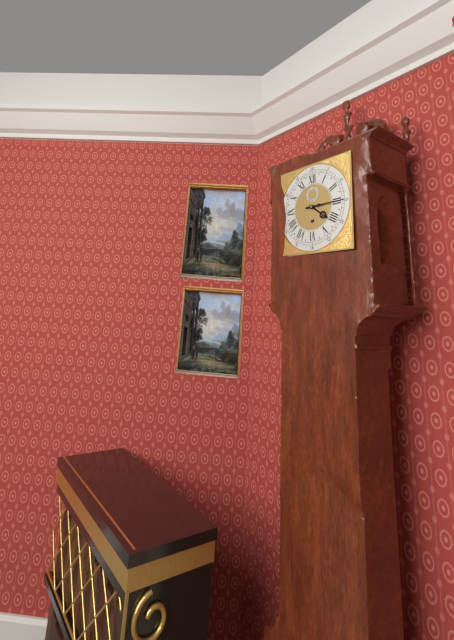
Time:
4.15
